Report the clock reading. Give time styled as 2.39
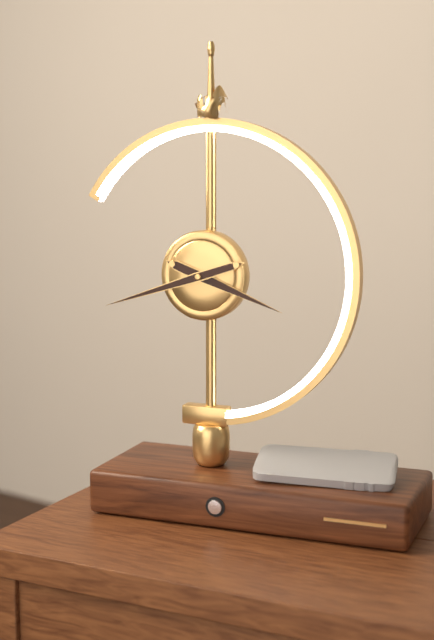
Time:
3.42
